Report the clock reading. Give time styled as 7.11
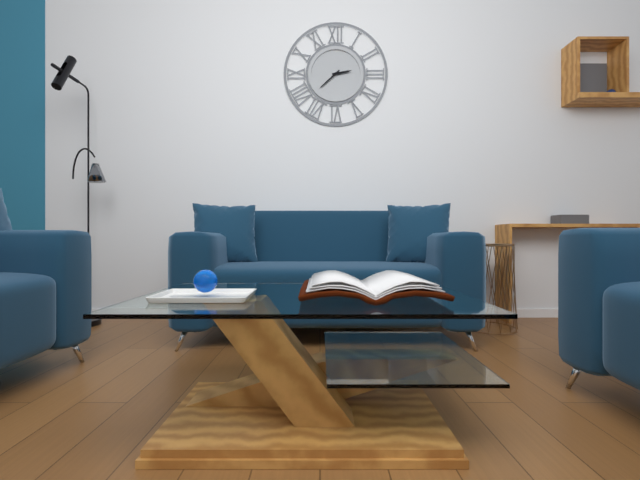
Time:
2.38
